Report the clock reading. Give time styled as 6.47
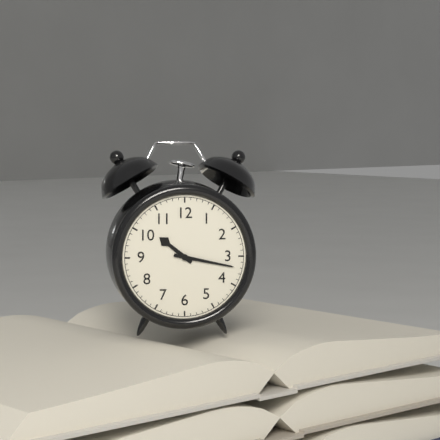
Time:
10.17
